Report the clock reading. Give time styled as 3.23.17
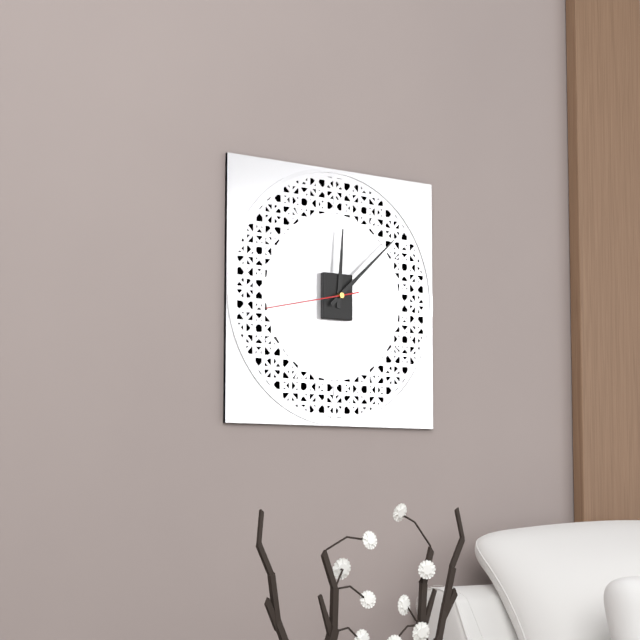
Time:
12.08.43
